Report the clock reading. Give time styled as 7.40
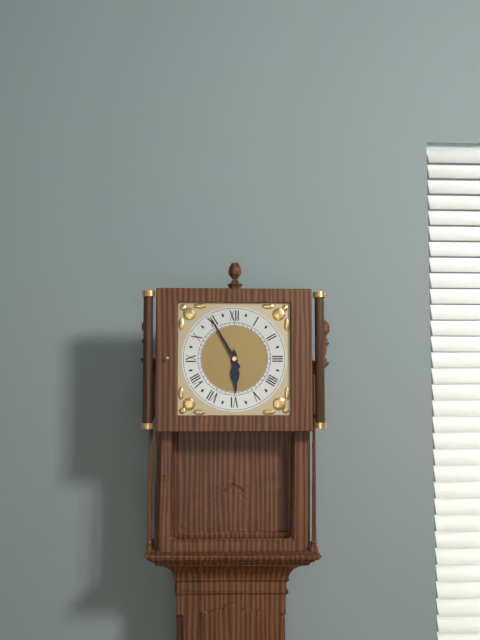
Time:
5.55
